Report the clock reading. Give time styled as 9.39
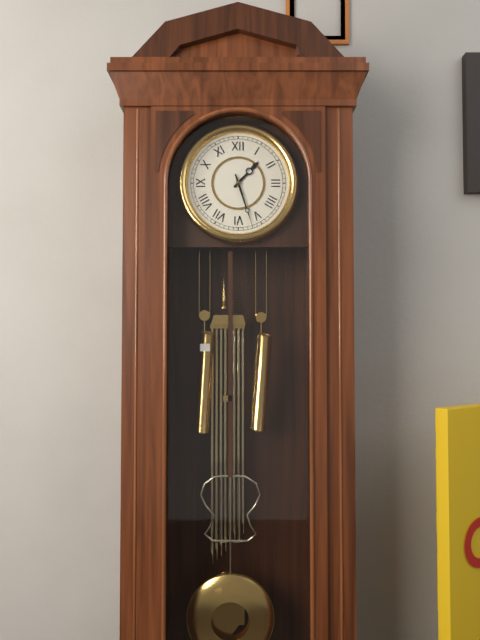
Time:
1.27
